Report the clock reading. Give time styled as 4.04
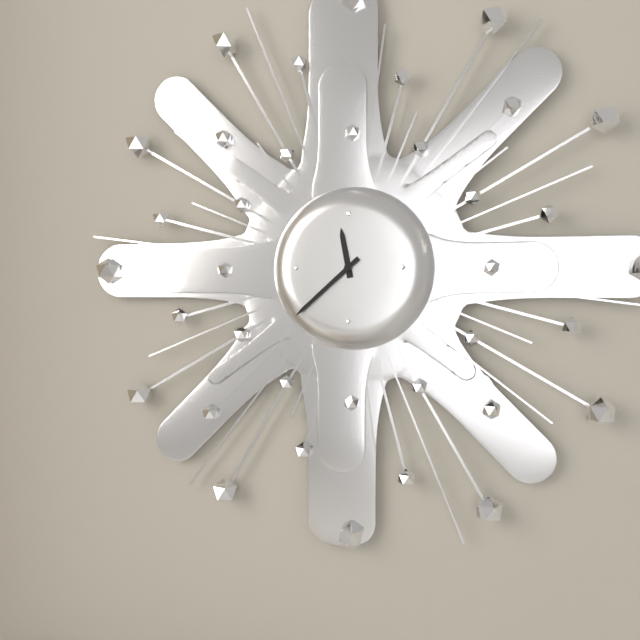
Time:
11.38
